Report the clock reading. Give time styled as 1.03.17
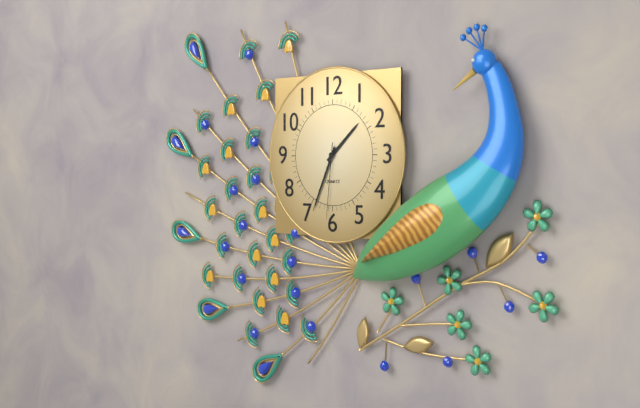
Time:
1.34.31
